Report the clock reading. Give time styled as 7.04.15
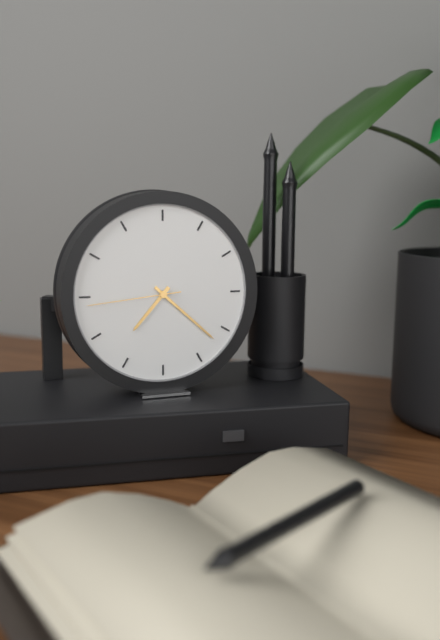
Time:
7.22.44
